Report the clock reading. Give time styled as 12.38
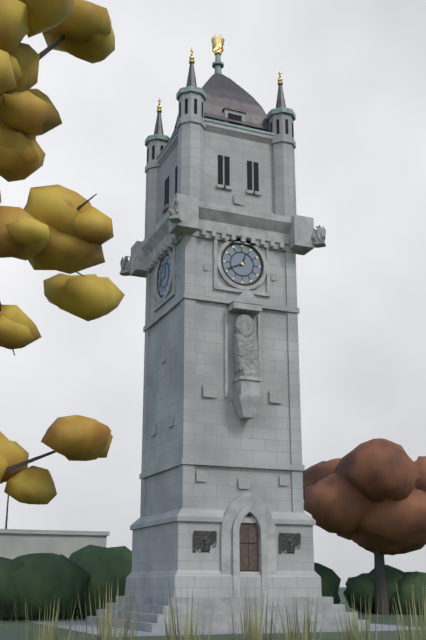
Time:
12.41
